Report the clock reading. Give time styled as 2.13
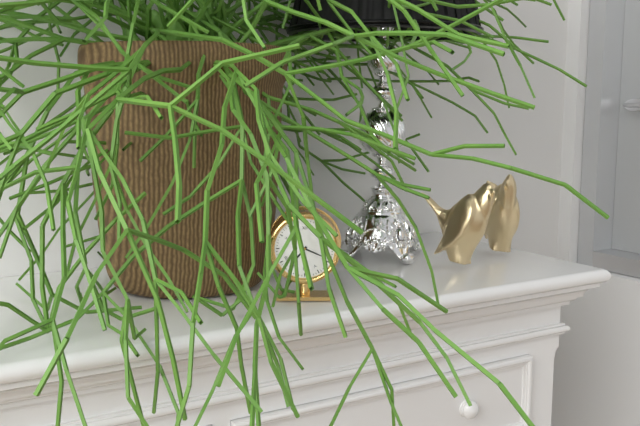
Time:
7.19
